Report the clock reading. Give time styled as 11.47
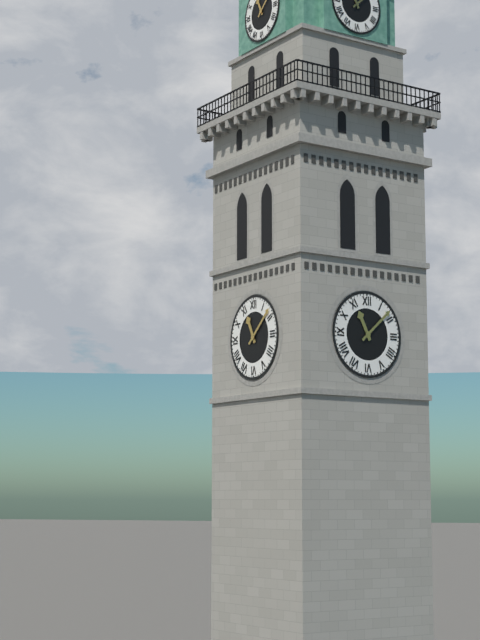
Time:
11.08
